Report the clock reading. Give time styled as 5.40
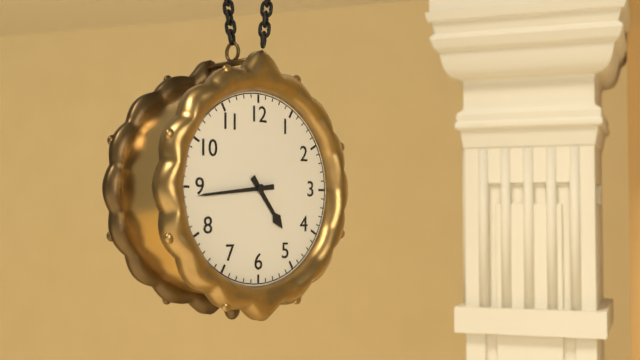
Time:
4.44
